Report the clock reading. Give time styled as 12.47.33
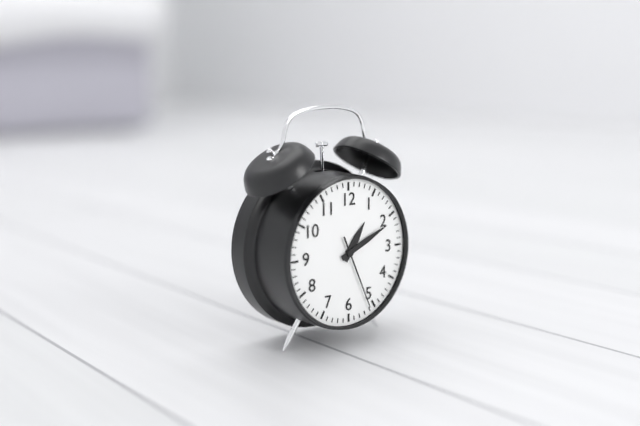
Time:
1.11.26
